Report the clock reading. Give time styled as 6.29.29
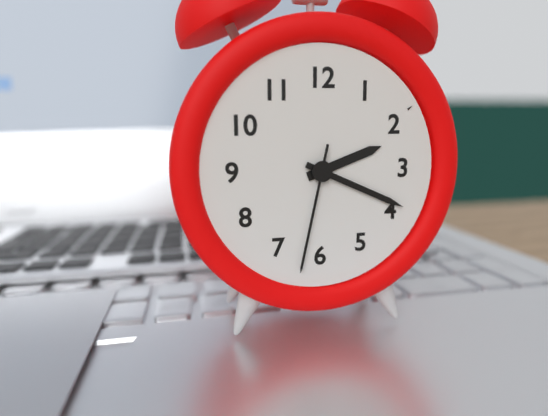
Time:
2.19.32
